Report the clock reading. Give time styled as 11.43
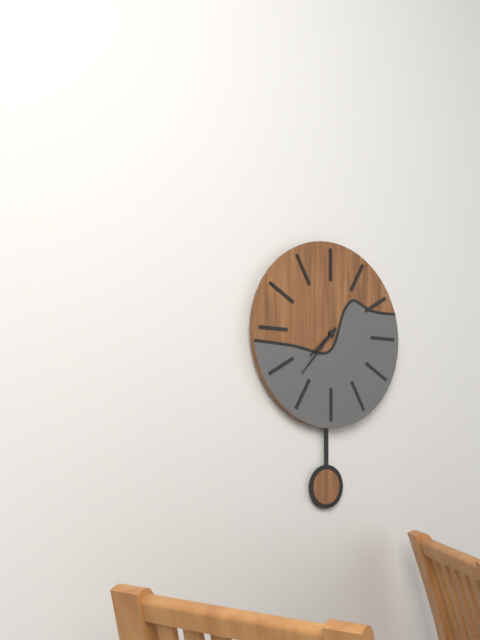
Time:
7.37
